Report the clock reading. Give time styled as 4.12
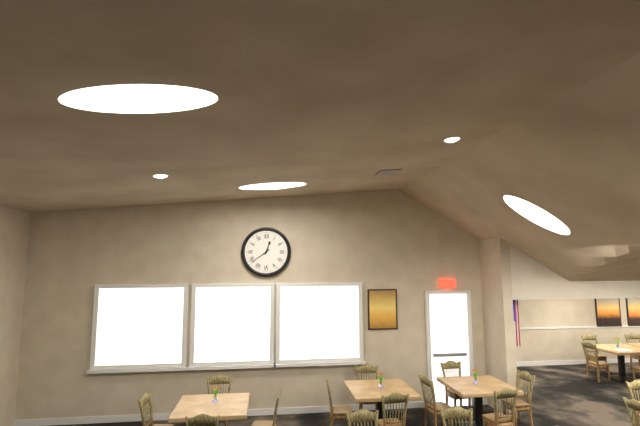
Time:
12.39
